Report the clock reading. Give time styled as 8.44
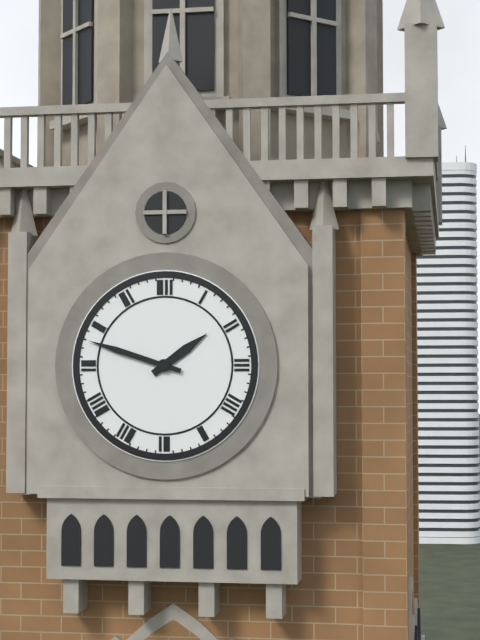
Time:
1.48
